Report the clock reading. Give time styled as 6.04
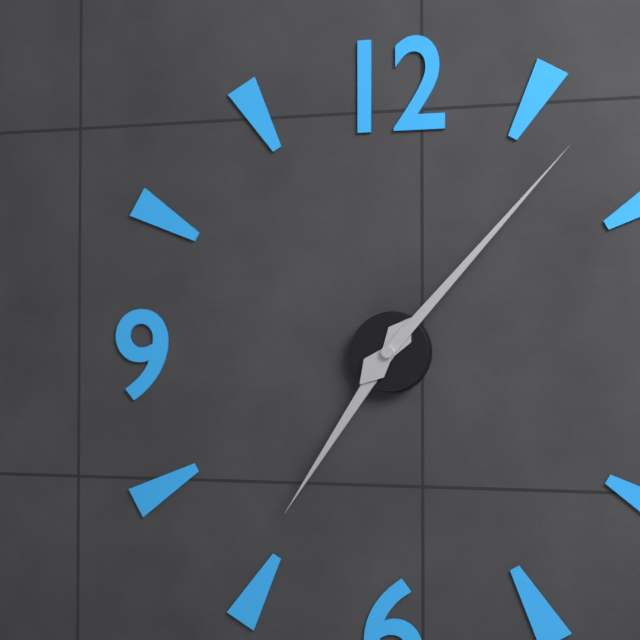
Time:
7.07
